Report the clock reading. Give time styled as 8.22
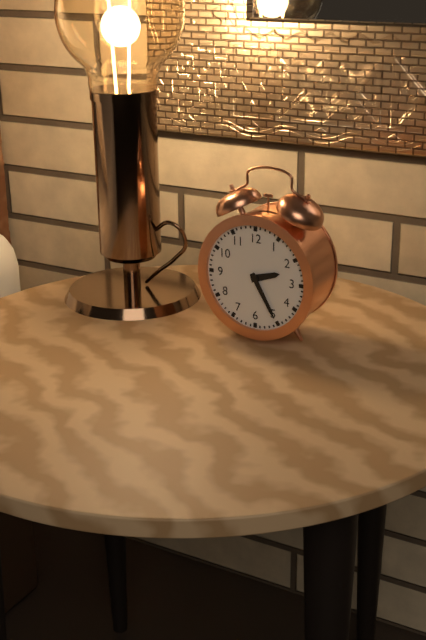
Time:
2.25
